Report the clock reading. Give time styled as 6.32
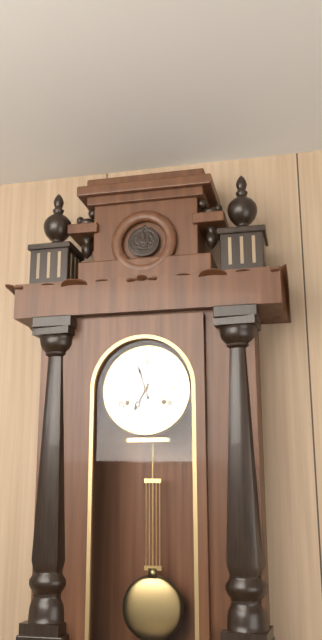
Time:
6.57
